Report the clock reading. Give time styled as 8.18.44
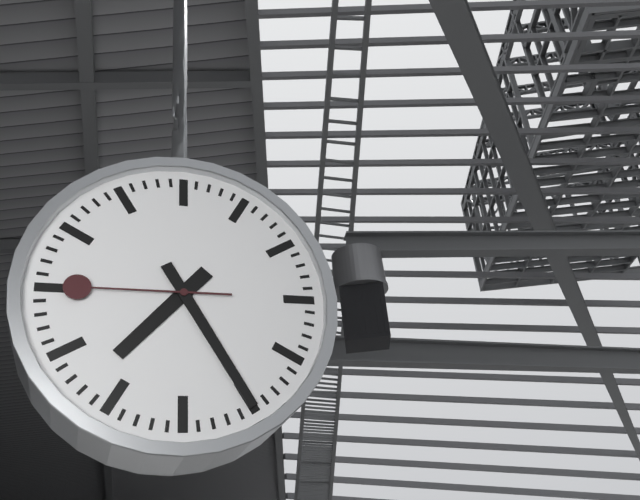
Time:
7.25.45
